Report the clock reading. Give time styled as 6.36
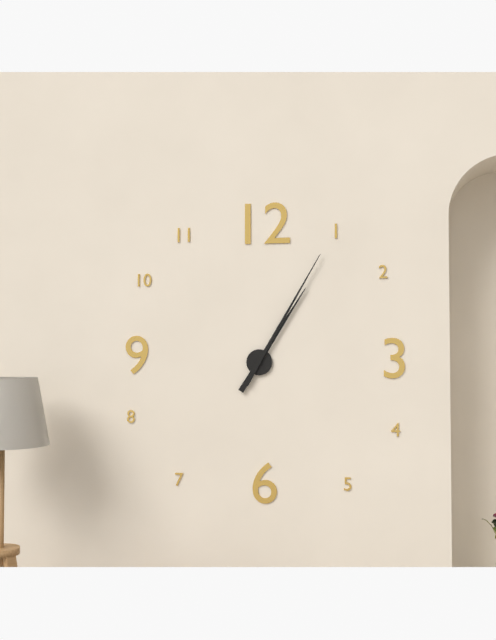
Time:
1.05
